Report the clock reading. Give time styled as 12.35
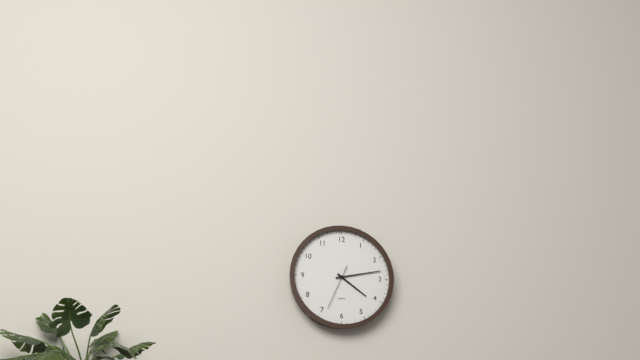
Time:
4.13
